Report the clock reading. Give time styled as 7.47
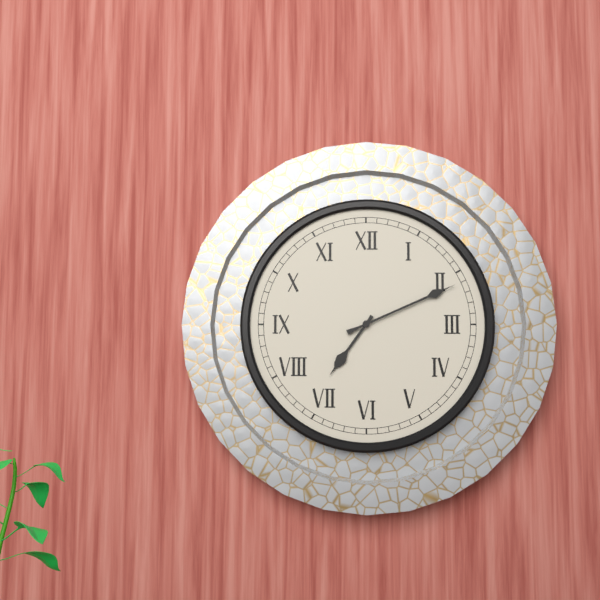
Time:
7.11
